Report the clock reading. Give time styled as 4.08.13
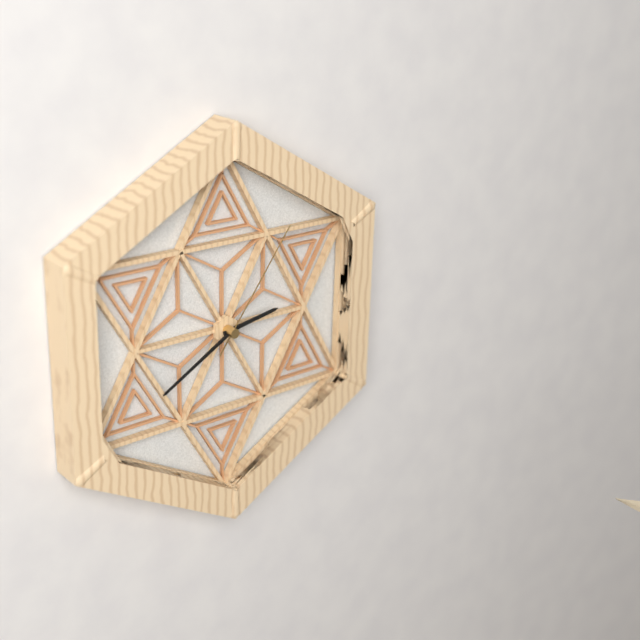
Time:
2.40.06
